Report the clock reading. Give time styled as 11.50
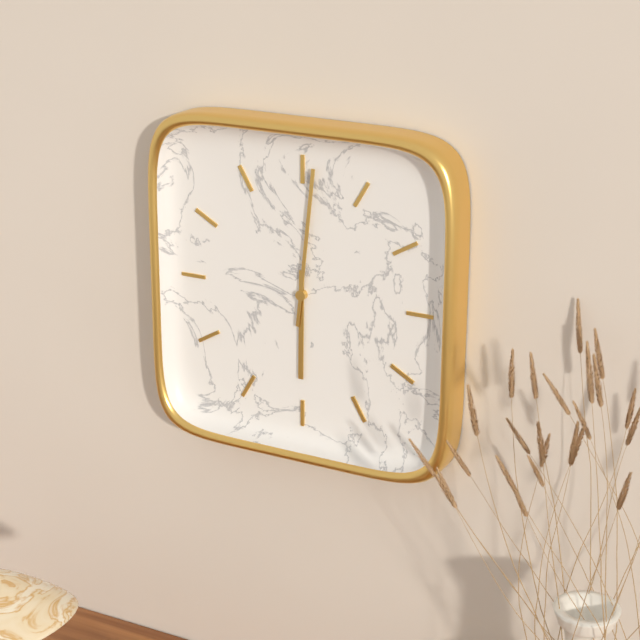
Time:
6.01
